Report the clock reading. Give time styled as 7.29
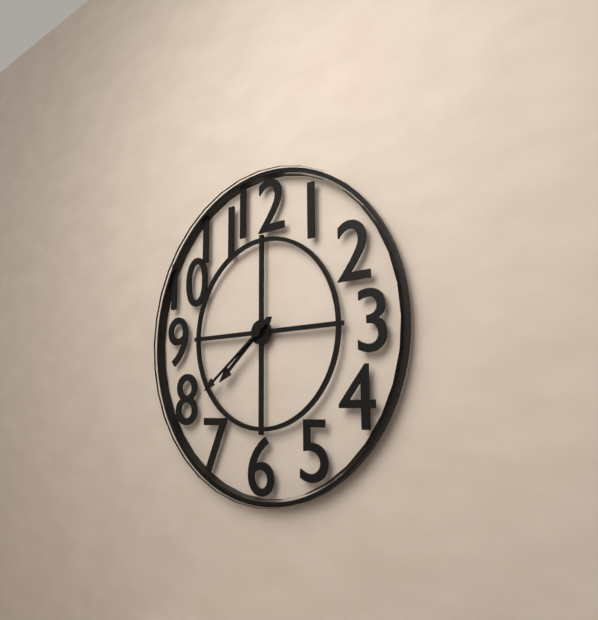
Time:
7.39
